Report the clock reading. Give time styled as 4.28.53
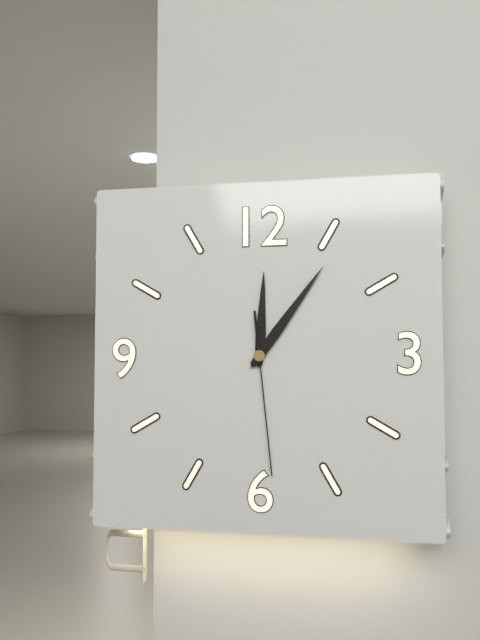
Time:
12.06.29
